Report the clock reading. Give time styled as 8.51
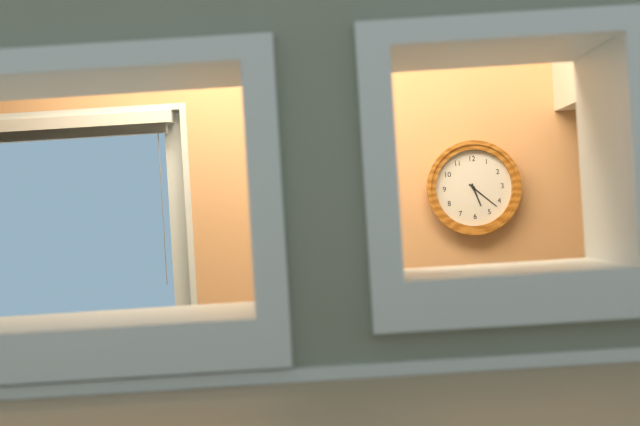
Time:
5.22
